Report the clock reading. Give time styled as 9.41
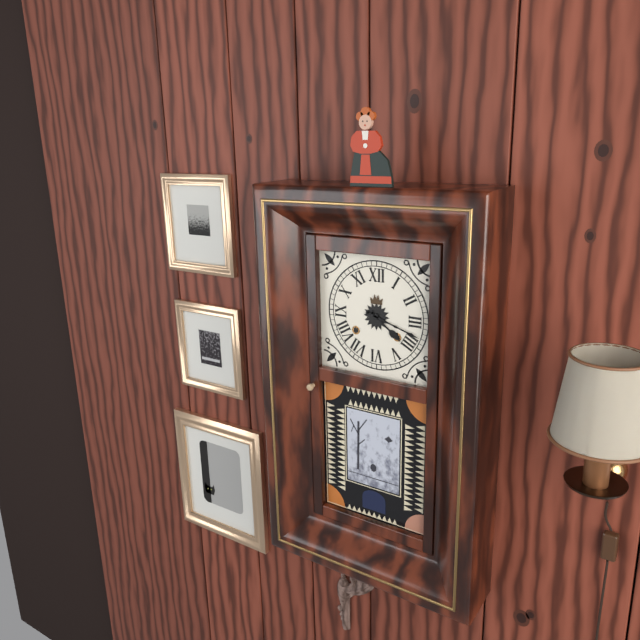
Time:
4.18
